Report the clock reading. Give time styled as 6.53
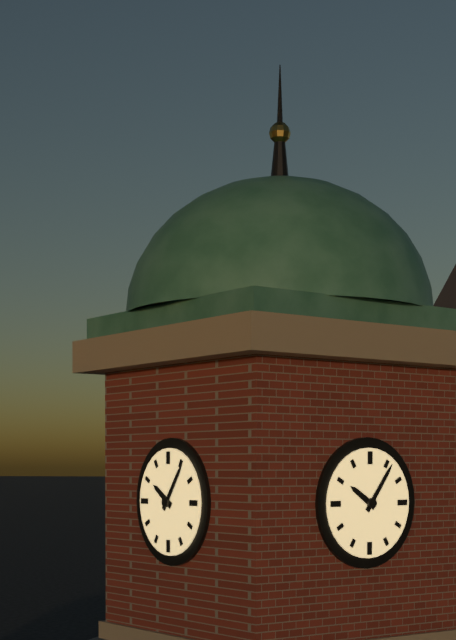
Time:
10.06
